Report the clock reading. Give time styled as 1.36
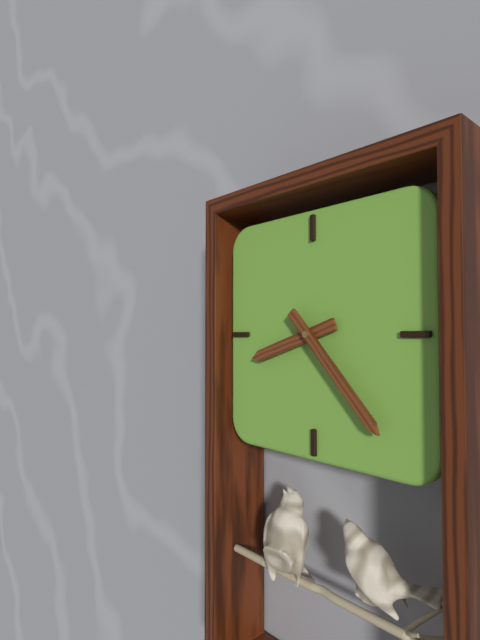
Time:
8.23
